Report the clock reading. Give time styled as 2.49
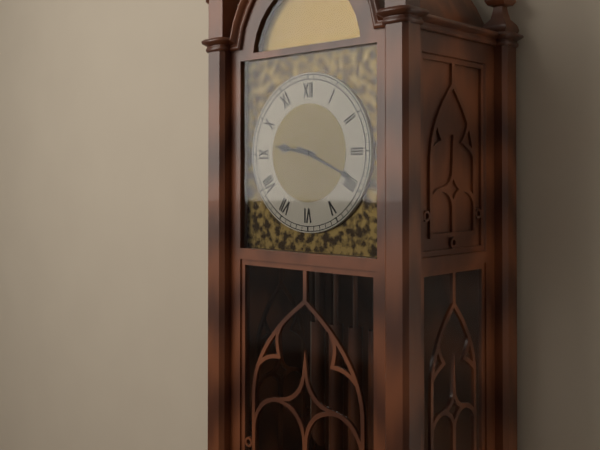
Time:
9.19
